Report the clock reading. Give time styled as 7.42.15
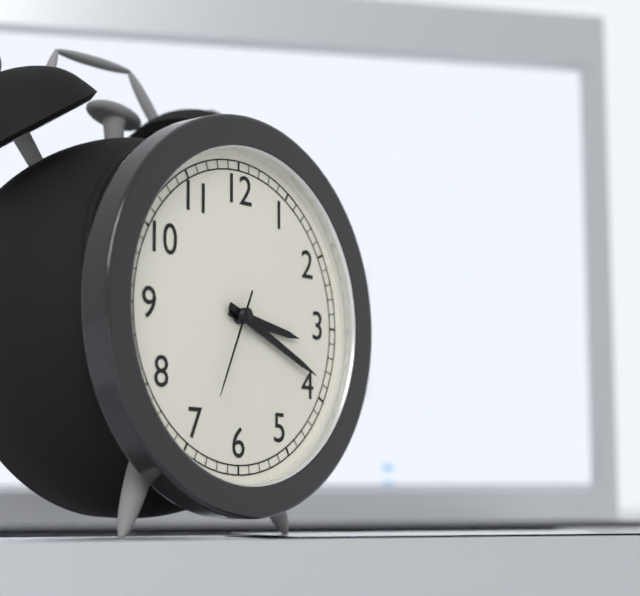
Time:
3.19.34
